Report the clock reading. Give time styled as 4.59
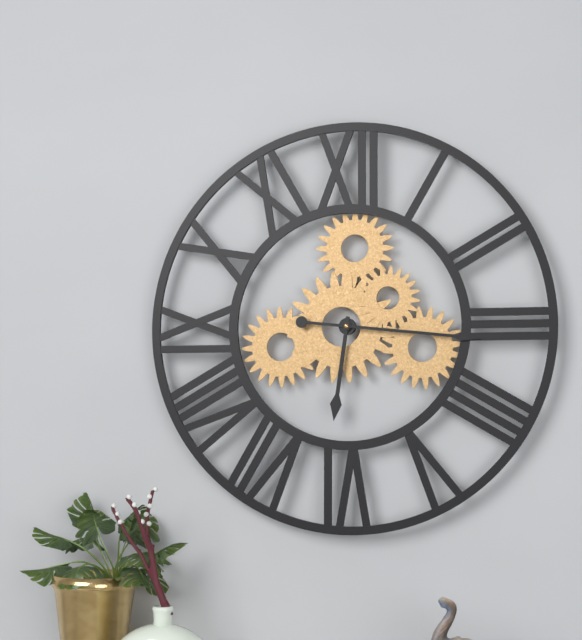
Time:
6.16
